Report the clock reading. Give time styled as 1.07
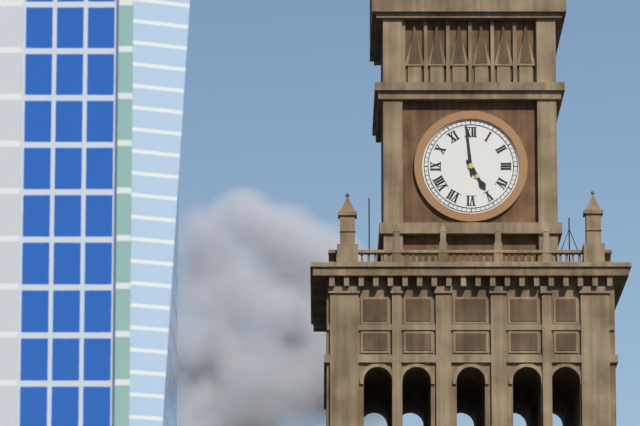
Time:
4.59
